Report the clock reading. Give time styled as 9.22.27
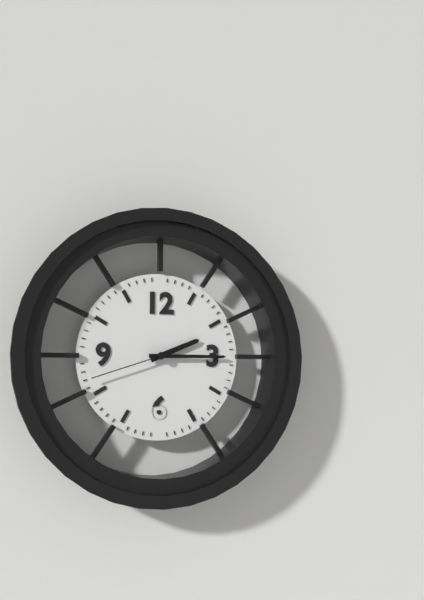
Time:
2.15.42
